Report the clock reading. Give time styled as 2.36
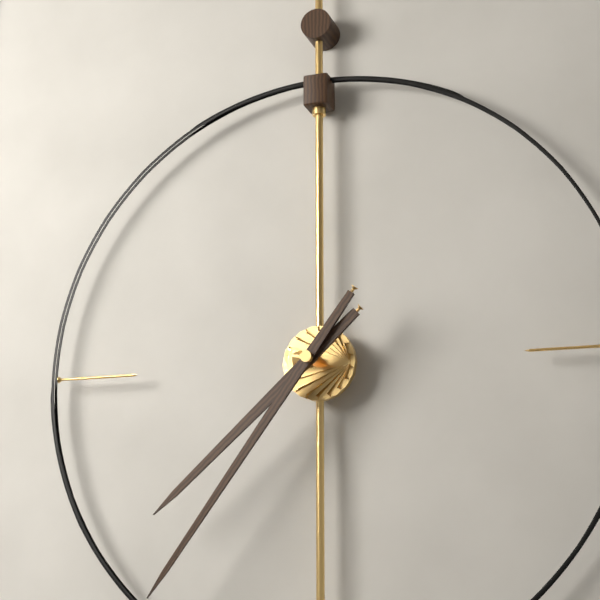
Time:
7.36
